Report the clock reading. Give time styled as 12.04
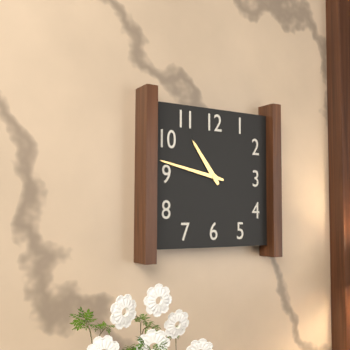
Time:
10.47
